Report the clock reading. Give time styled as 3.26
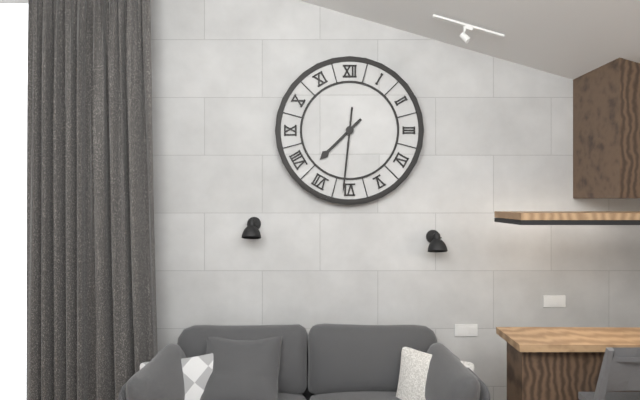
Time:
7.31
